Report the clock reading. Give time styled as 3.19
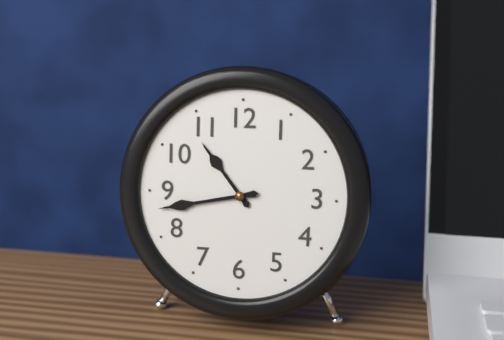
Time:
10.43
